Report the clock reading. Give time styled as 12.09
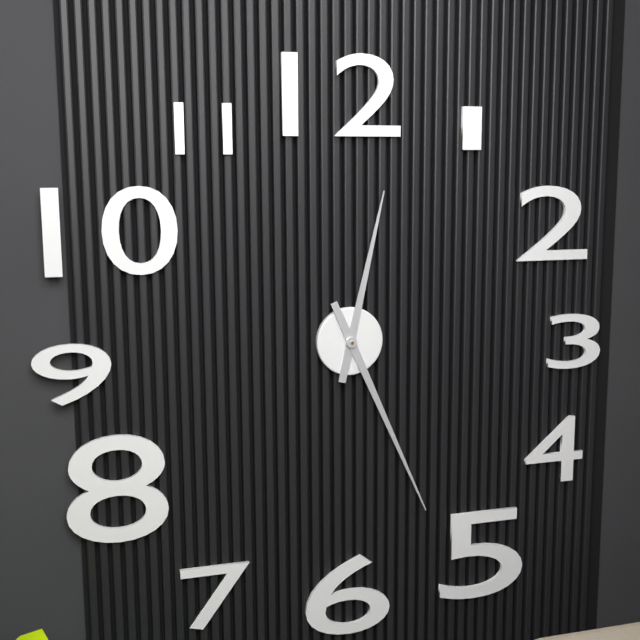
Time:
12.26
